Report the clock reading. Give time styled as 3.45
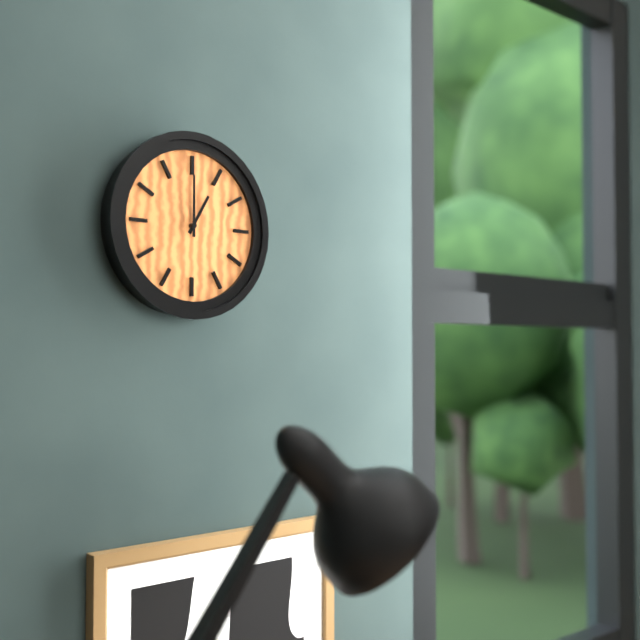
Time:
1.00
